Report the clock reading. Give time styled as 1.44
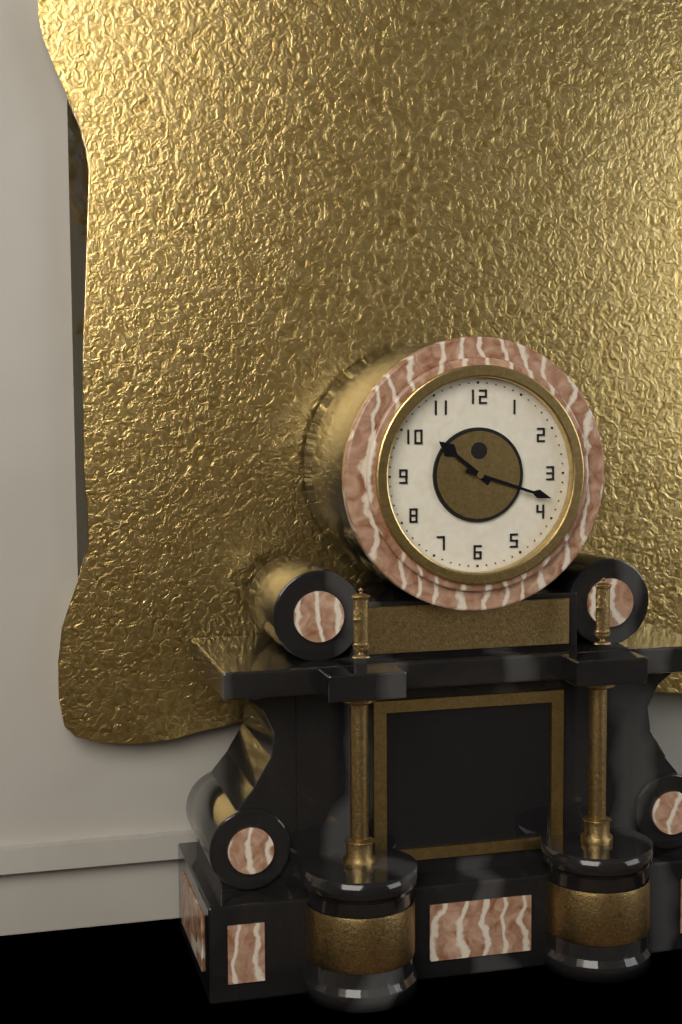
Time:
10.18
